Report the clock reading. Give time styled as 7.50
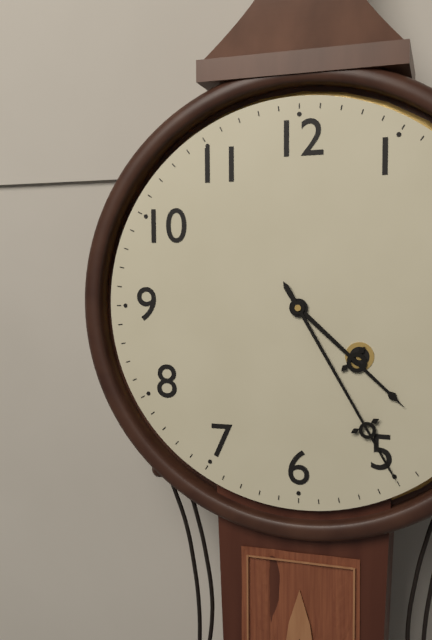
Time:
4.25
